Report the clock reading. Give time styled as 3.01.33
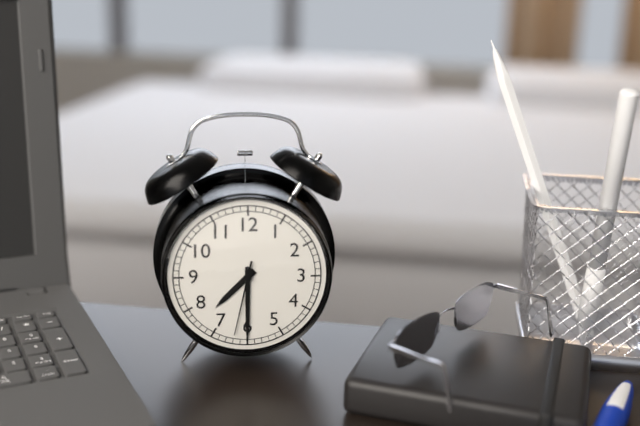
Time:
7.30.32
